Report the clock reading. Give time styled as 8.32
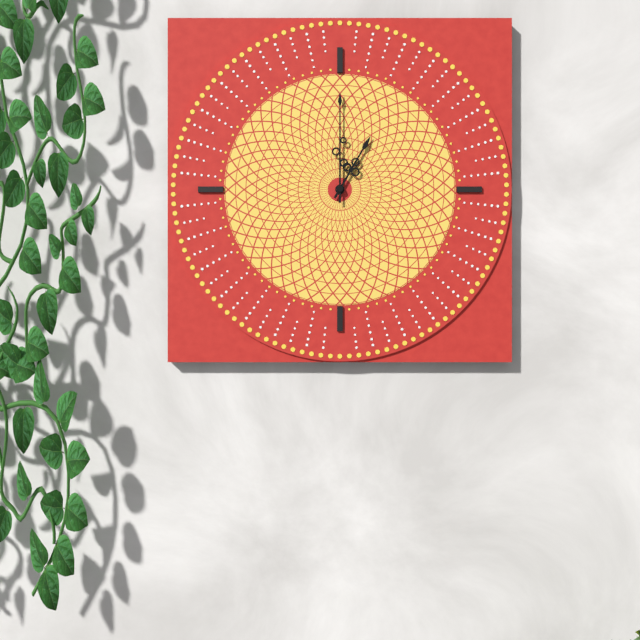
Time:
1.00
